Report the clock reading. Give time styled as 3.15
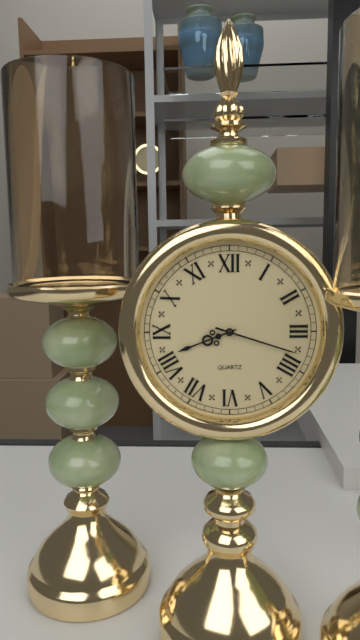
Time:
8.18
